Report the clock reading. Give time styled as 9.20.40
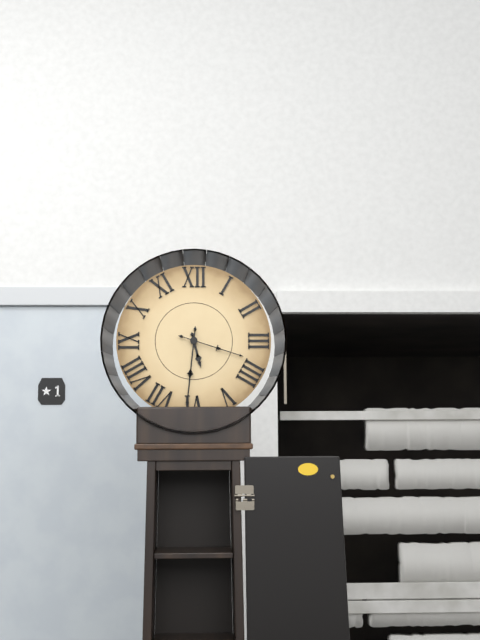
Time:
5.31.18
